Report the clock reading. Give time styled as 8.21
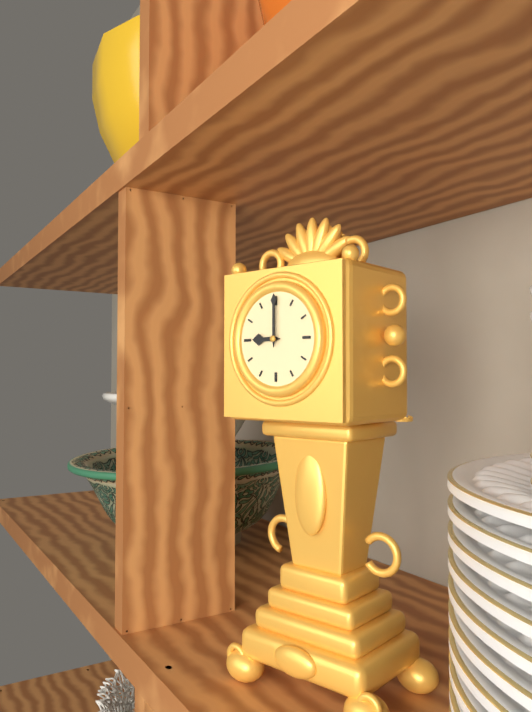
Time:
9.00
